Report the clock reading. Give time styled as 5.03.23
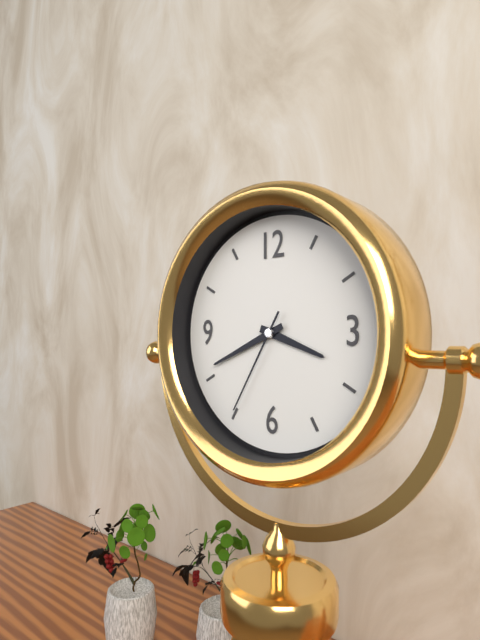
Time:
3.41.35
